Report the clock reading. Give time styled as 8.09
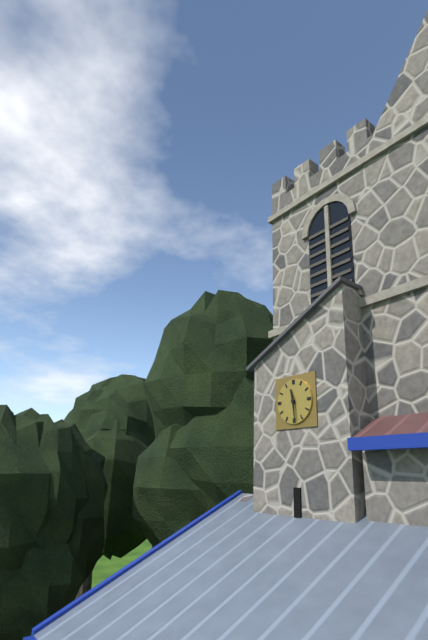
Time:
11.29
